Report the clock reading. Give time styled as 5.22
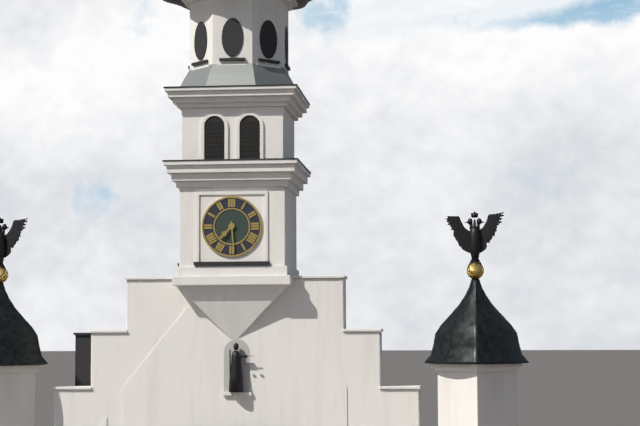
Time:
7.29
